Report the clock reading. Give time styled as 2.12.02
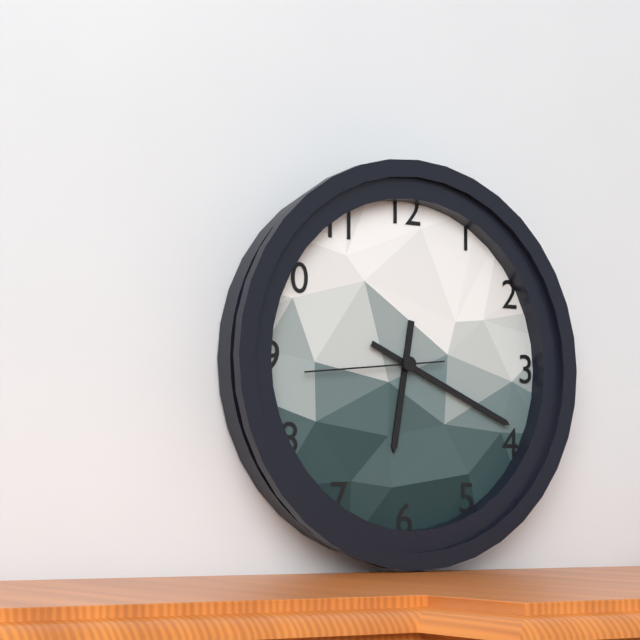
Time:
6.19.44
